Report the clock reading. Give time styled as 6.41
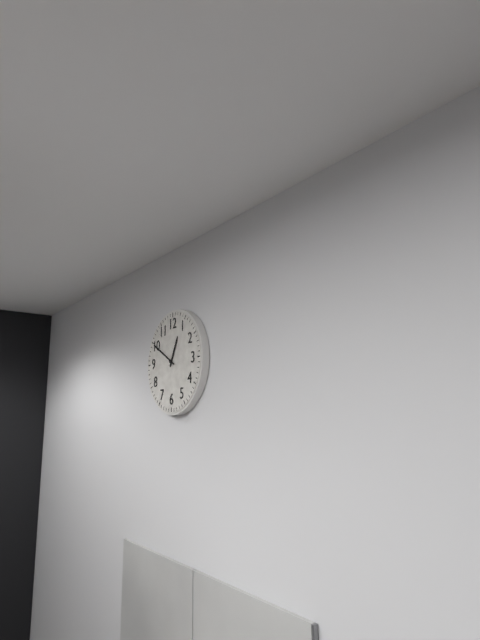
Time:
12.50
